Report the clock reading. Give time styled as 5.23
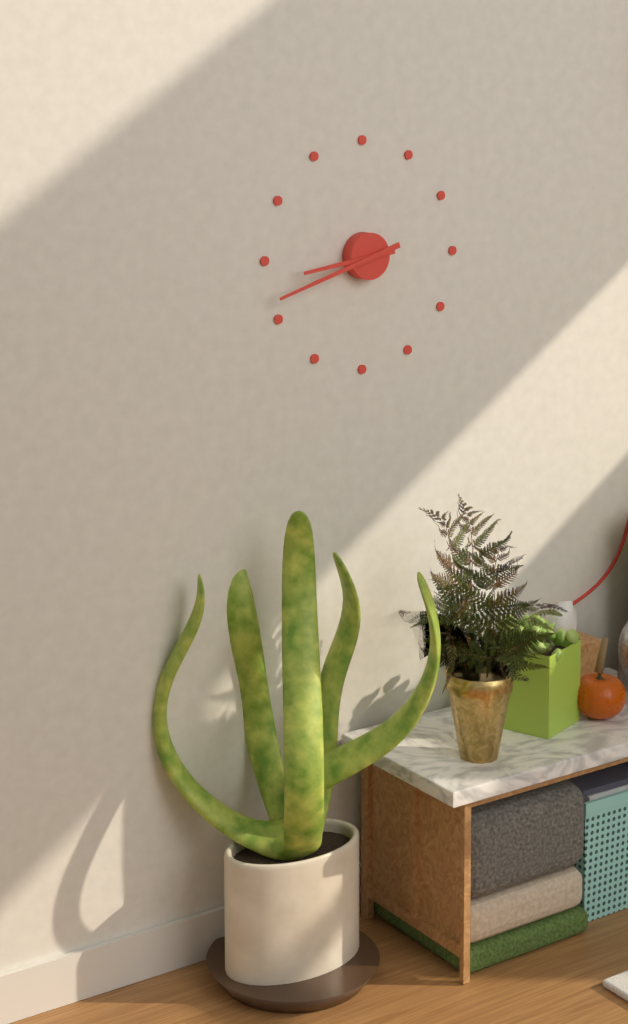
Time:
8.42
